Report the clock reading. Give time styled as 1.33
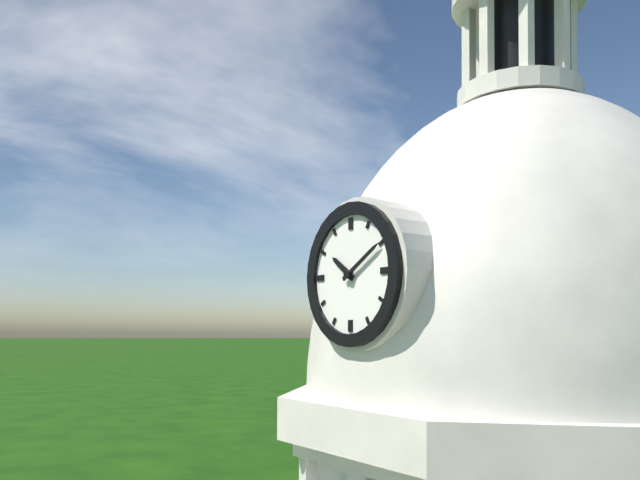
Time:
10.10
